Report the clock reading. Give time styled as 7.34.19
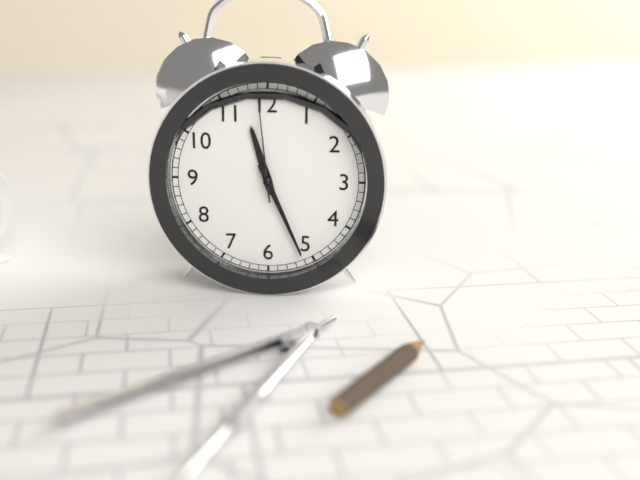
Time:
11.26.59
